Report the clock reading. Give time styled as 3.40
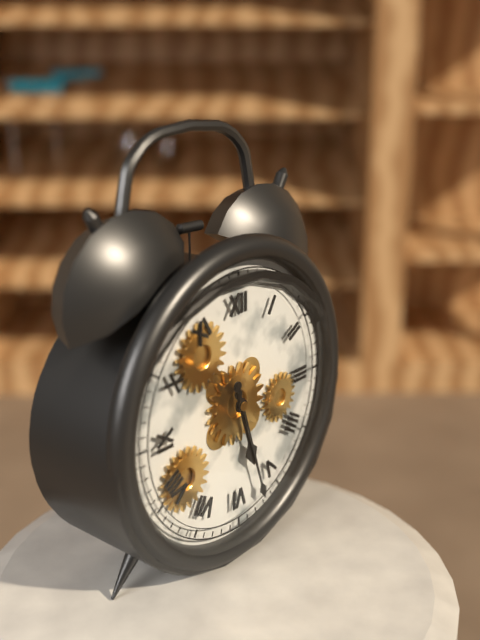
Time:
5.27
